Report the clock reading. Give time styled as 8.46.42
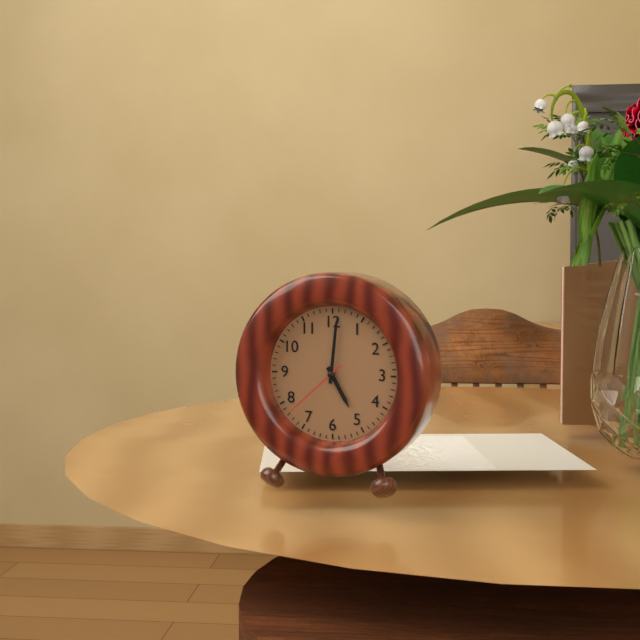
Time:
5.01.38
